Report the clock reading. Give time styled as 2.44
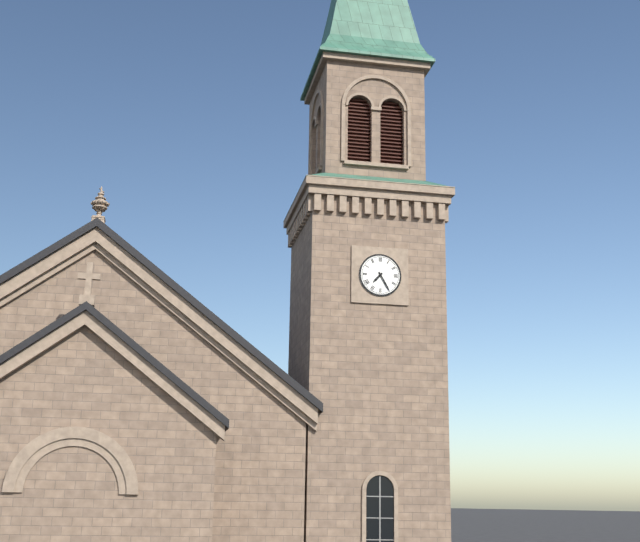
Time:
7.25
